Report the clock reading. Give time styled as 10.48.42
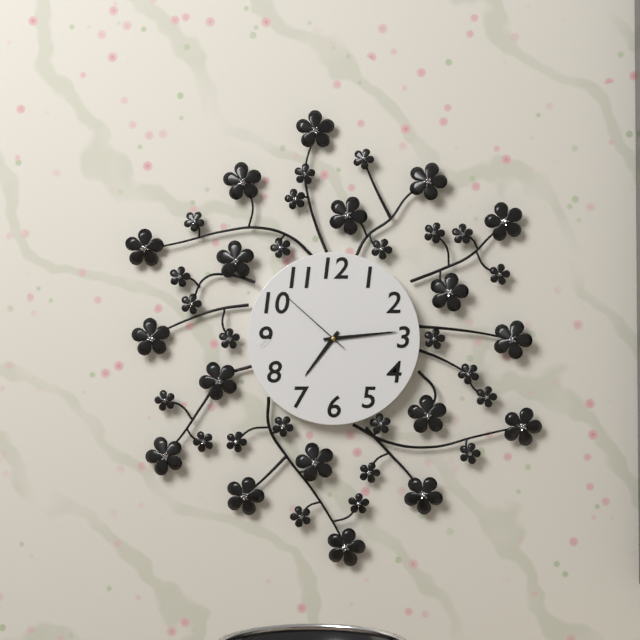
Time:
7.14.52
